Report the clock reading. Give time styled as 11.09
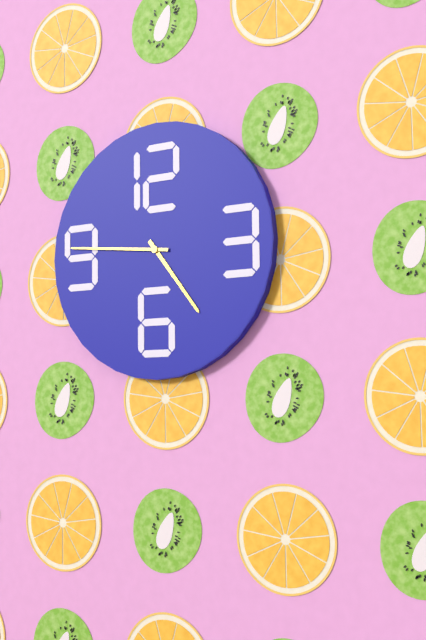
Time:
4.46
